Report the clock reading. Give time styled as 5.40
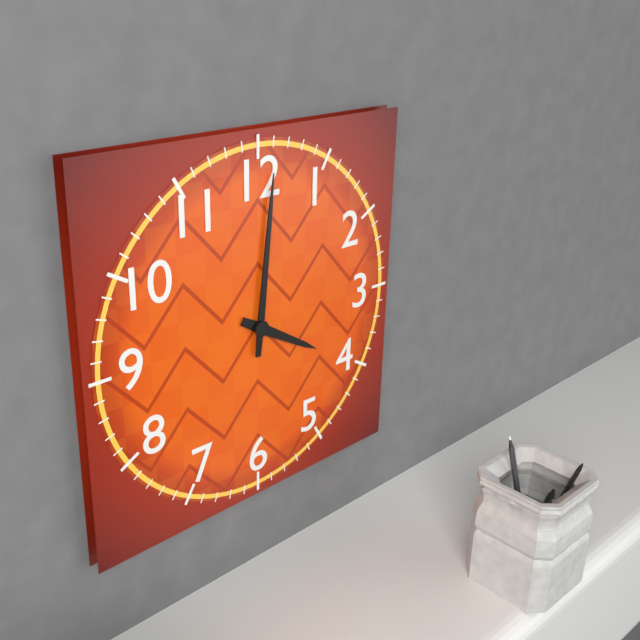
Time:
4.01
